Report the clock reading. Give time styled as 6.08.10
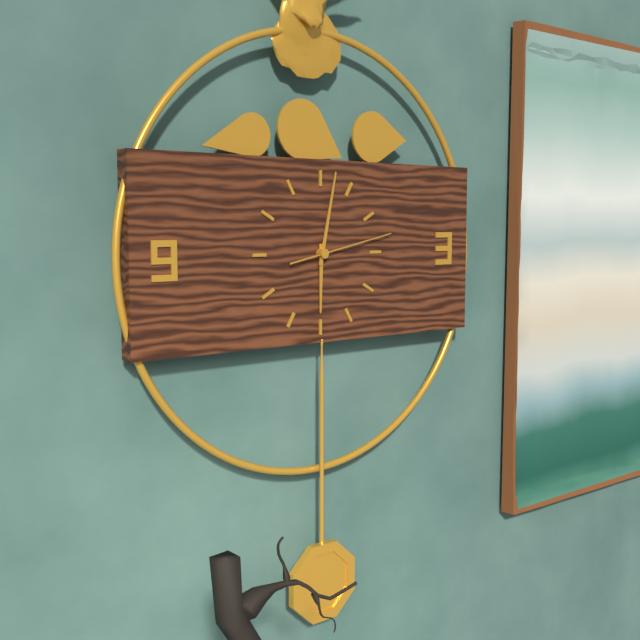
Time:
6.02.13
